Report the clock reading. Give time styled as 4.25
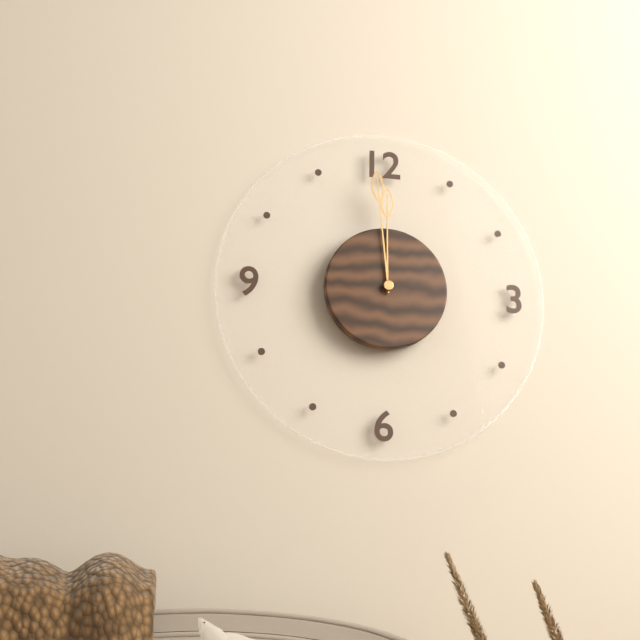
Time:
11.59
